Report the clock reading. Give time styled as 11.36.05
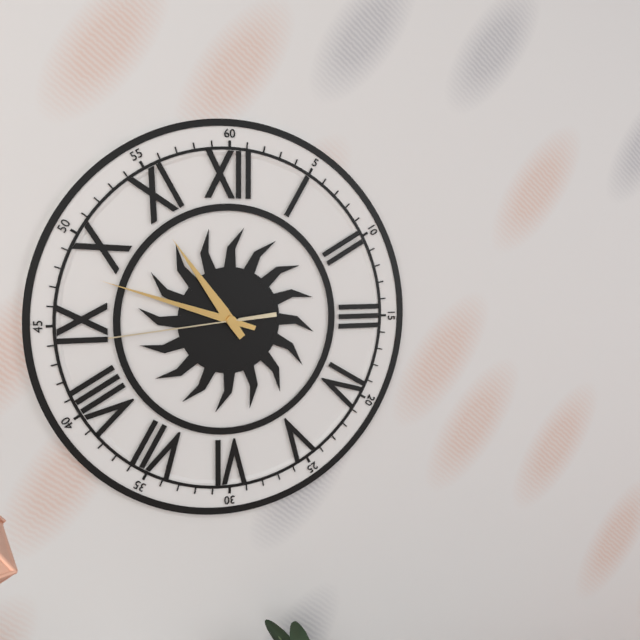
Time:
10.48.44
